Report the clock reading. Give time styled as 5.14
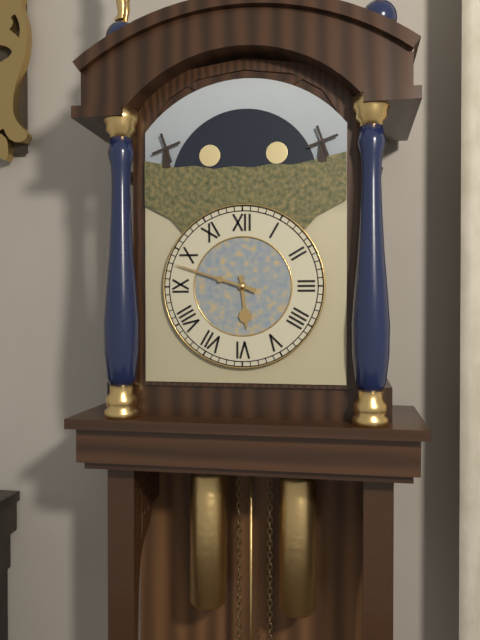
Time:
5.48
